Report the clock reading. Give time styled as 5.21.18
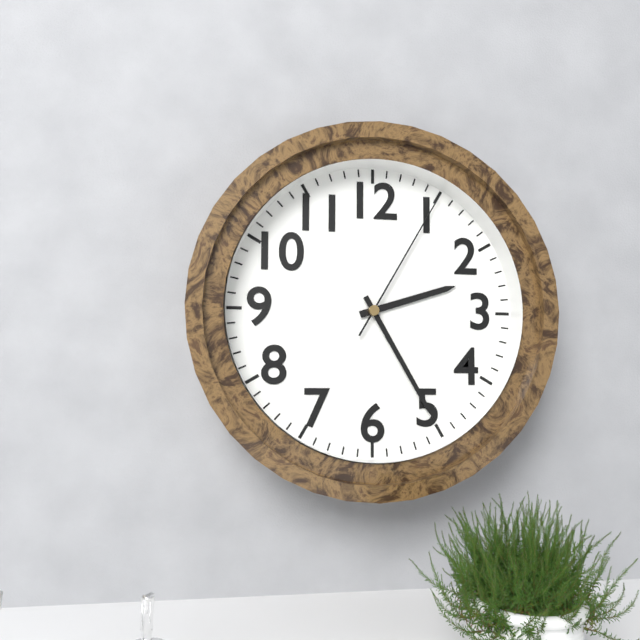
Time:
2.25.05
